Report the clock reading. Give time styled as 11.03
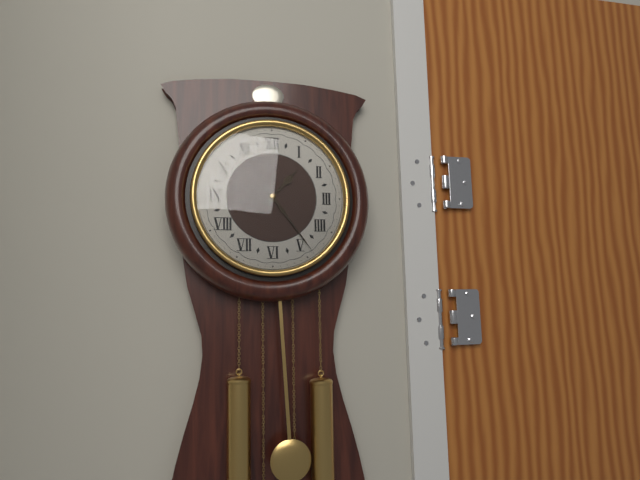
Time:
1.24
